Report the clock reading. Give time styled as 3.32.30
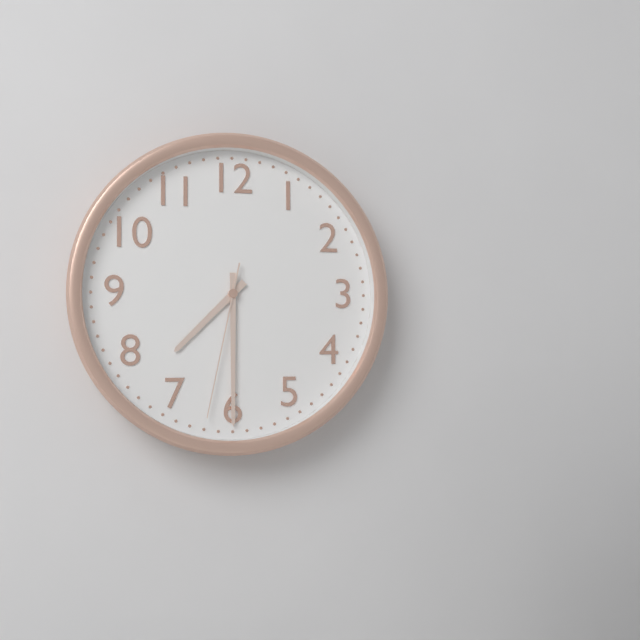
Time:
7.30.32
